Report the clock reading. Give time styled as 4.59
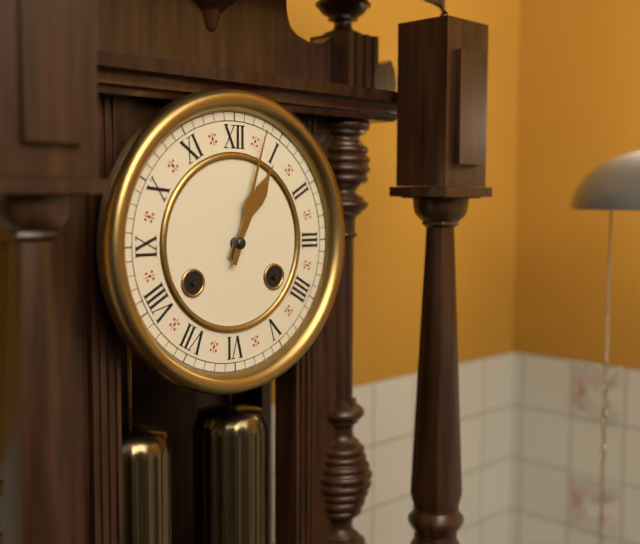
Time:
1.03
